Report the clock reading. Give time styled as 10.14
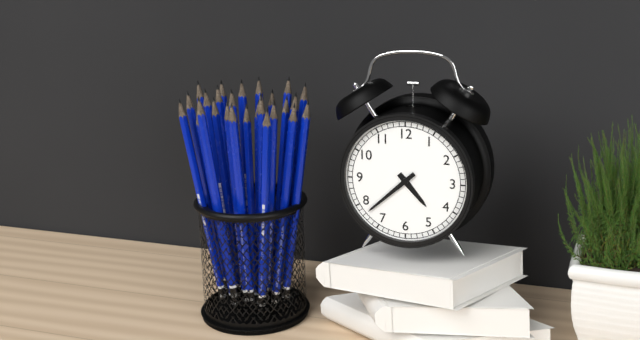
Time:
4.38
